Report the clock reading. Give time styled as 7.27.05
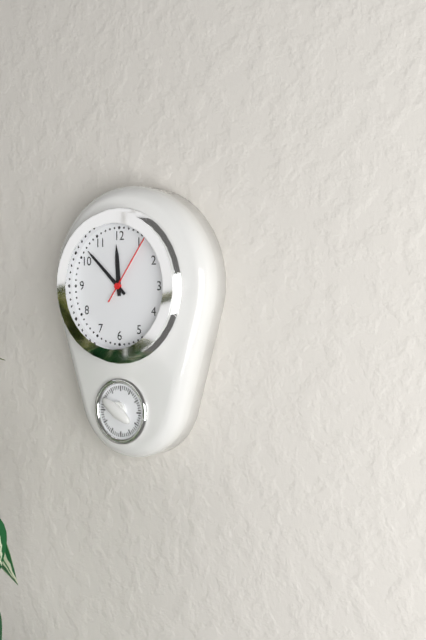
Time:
11.52.06
